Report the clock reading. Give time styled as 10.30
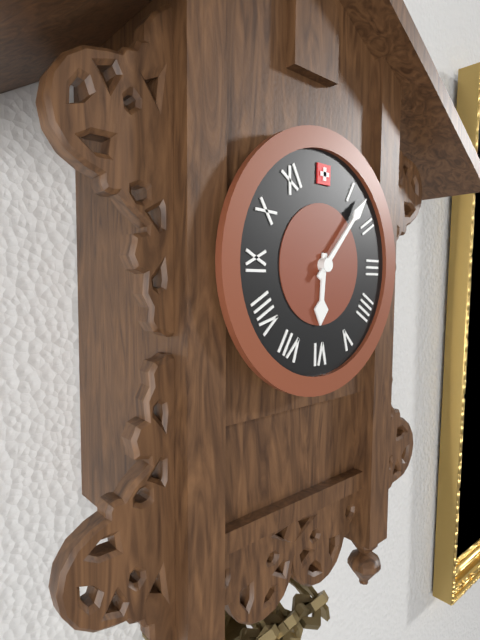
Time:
6.07
